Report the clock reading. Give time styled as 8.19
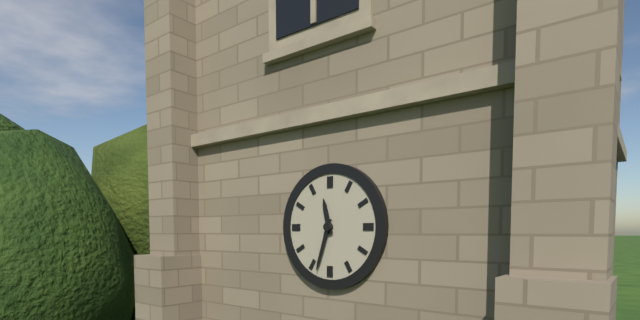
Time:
11.33
